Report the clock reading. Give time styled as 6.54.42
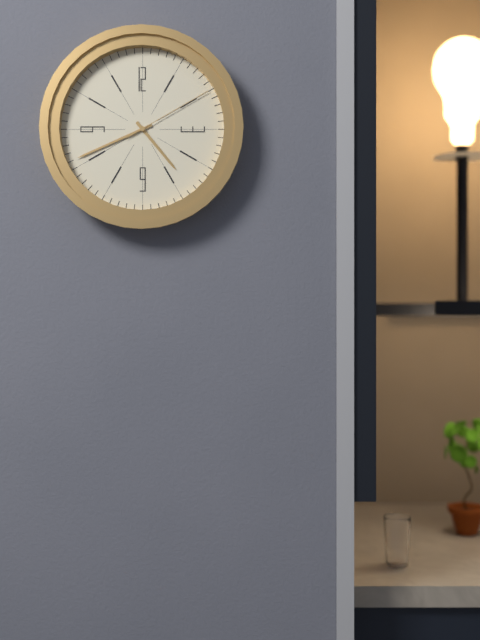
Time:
4.41.10
